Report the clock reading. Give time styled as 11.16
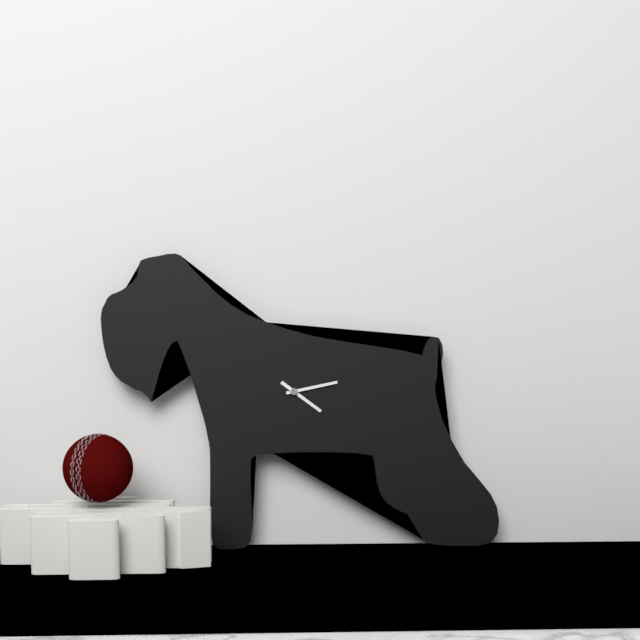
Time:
4.13
